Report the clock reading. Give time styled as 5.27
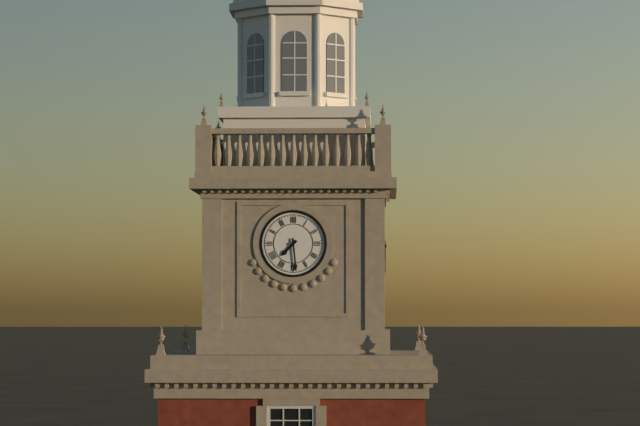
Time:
7.29
